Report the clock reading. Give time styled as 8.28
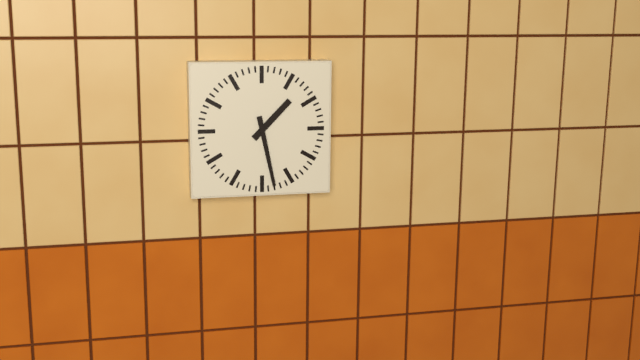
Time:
1.28
